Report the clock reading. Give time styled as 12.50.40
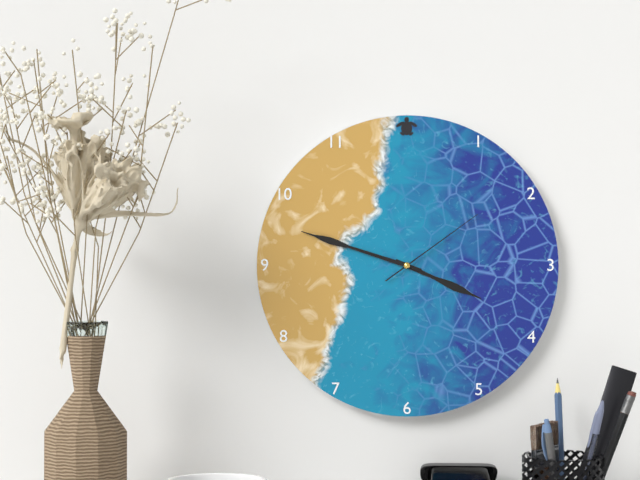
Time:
3.48.09
